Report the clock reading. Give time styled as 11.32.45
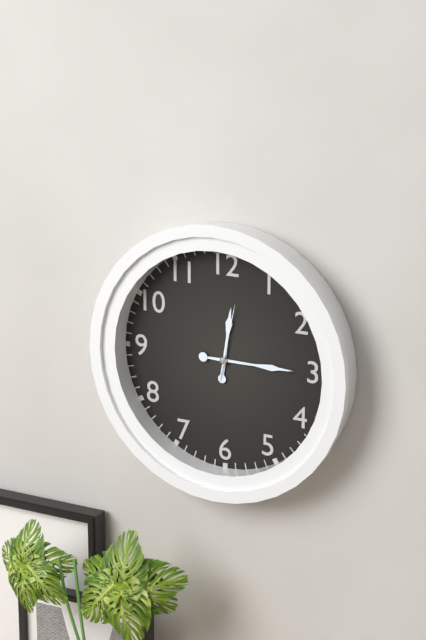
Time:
12.15.02
